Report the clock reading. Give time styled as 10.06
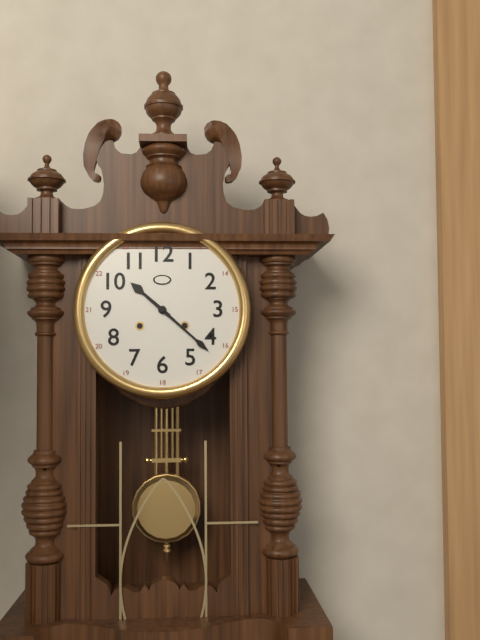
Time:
10.22
